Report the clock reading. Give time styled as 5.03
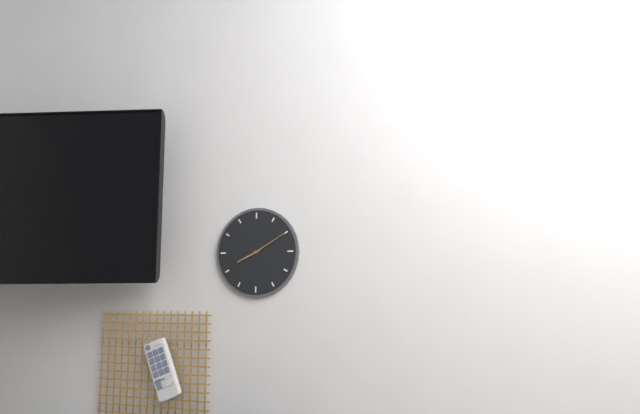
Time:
8.10
